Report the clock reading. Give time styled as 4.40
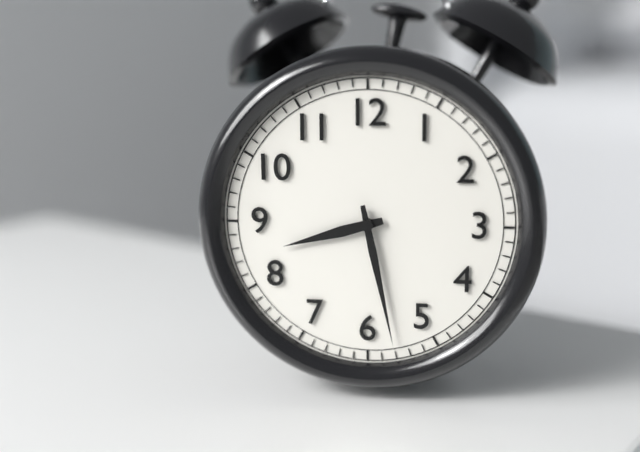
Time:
8.28
